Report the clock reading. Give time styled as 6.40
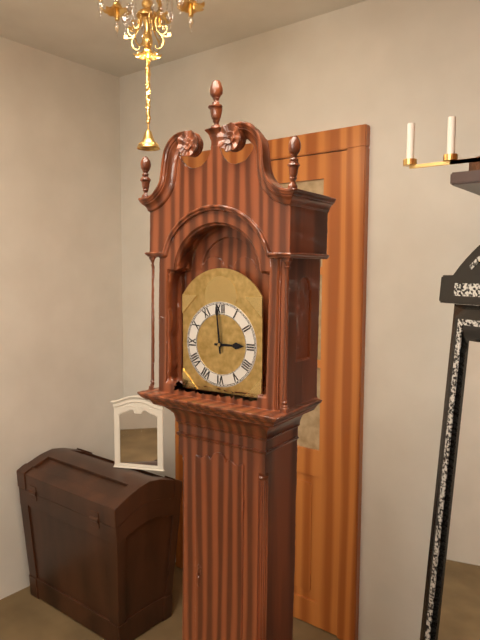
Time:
2.59
